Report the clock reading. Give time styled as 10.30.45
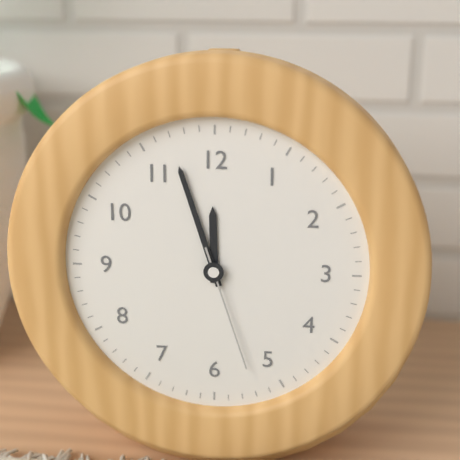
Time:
11.57.27
